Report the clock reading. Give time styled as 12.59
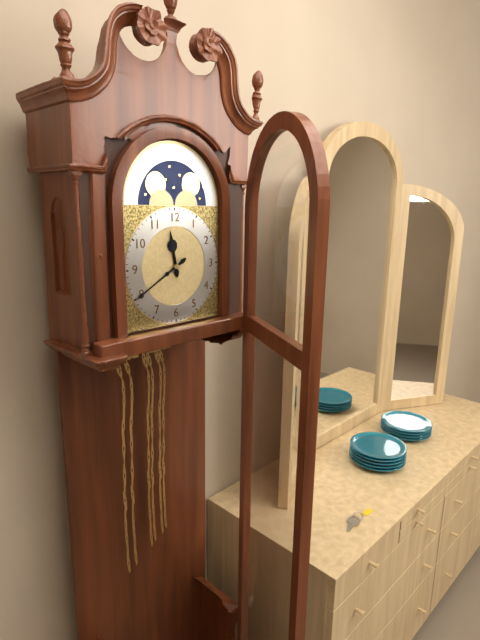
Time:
11.40
